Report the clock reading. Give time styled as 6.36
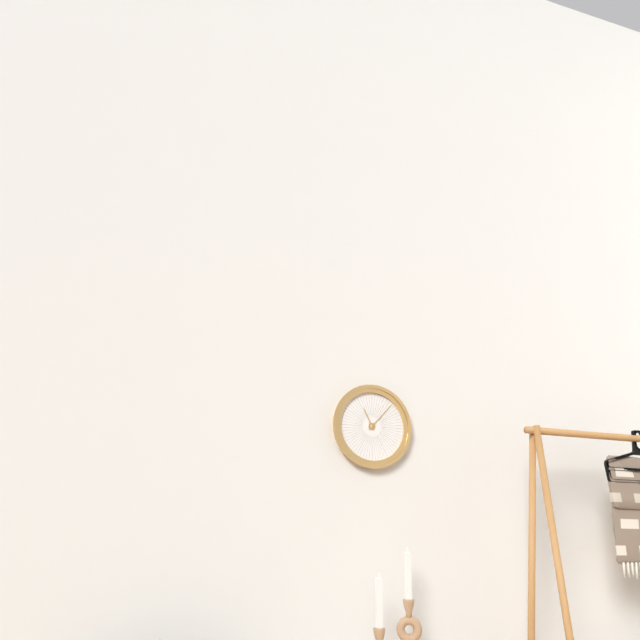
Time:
11.07
